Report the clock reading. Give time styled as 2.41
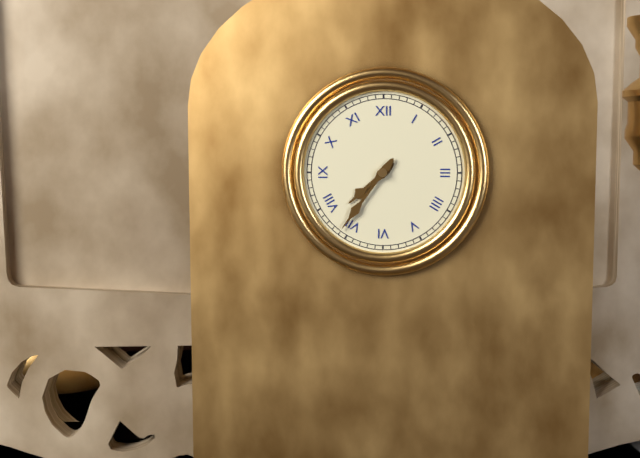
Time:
7.36
